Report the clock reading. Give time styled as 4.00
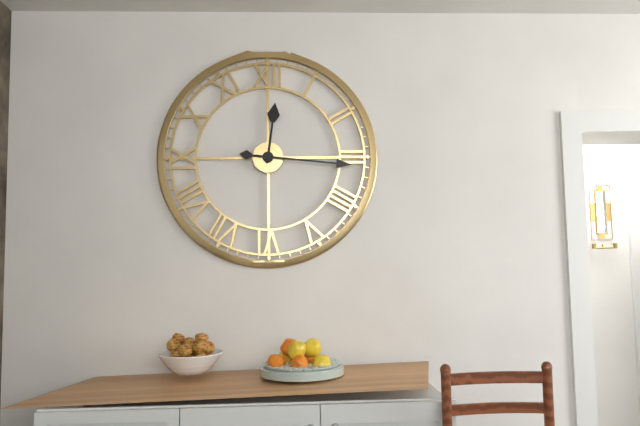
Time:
12.16
